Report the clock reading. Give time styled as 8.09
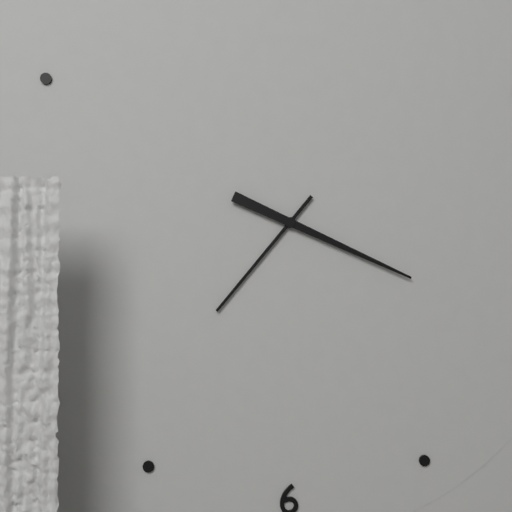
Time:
7.19
